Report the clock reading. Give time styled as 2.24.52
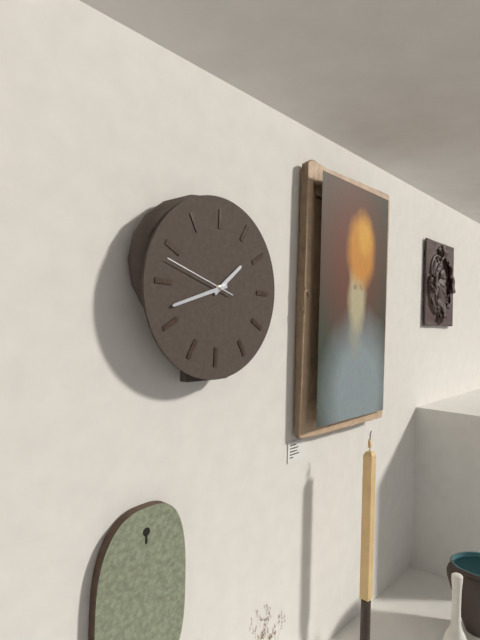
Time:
1.42.48
